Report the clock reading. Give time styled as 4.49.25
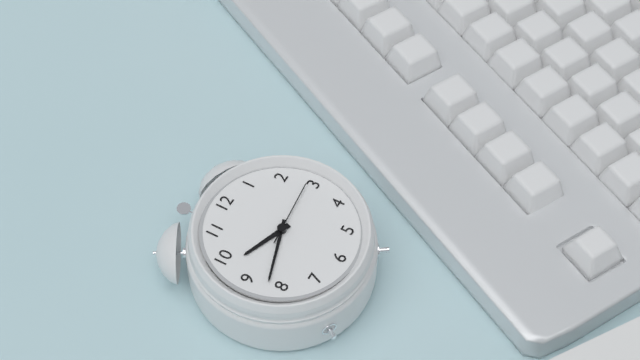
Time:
9.42.14
